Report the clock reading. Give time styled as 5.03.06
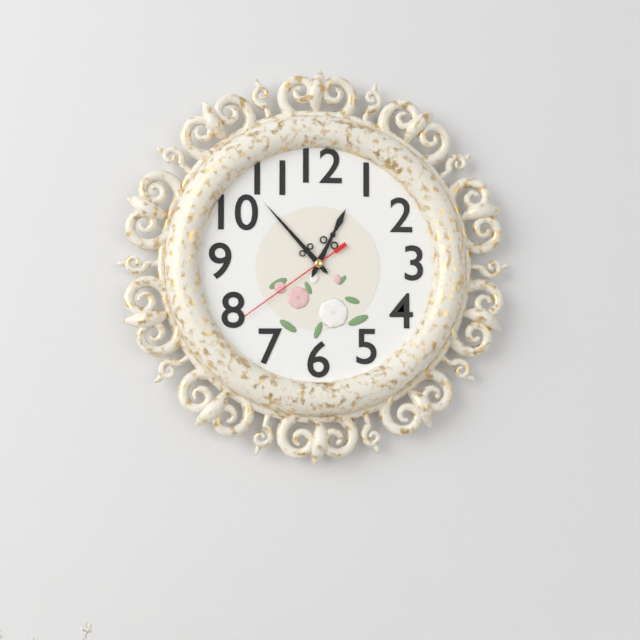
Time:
12.53.39
